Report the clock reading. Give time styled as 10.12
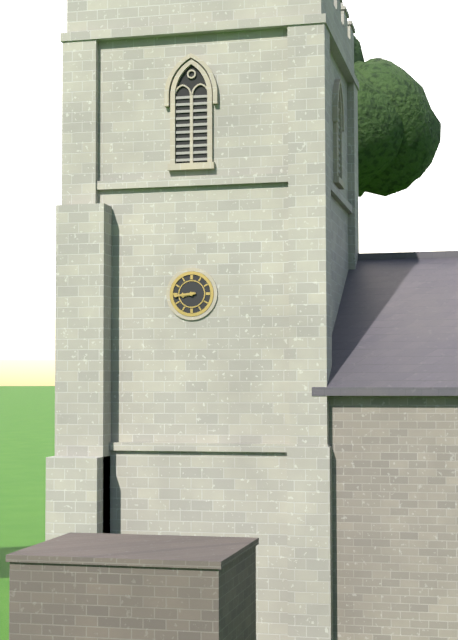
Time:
8.44
